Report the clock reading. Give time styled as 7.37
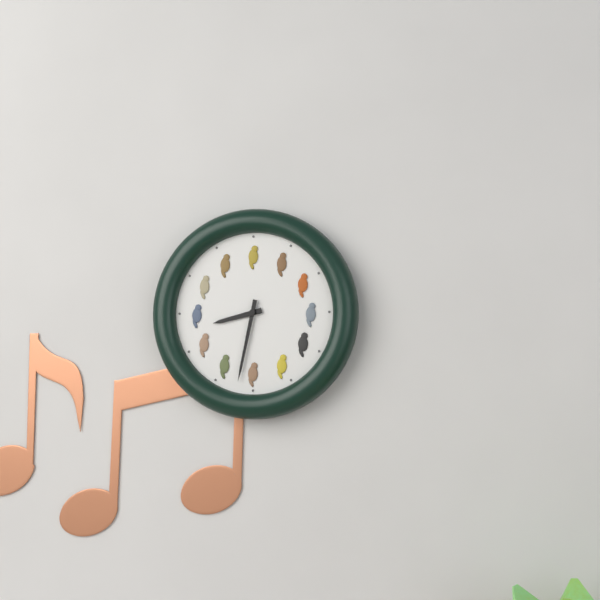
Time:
8.32
